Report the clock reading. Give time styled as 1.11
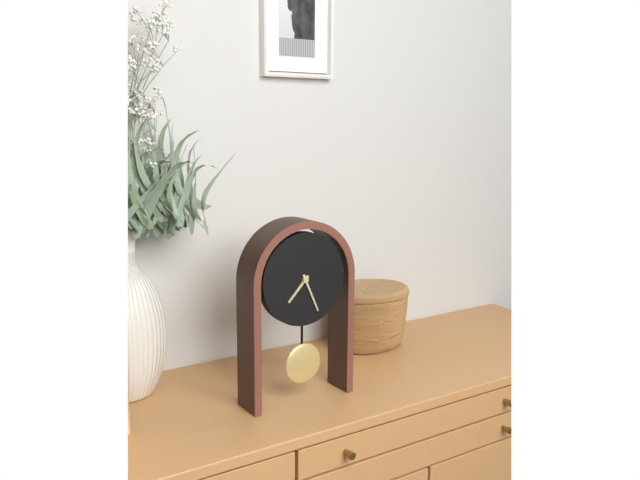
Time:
7.26
